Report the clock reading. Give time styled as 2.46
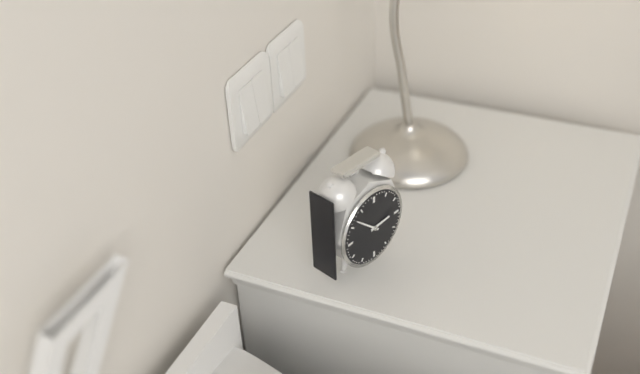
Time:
2.52
